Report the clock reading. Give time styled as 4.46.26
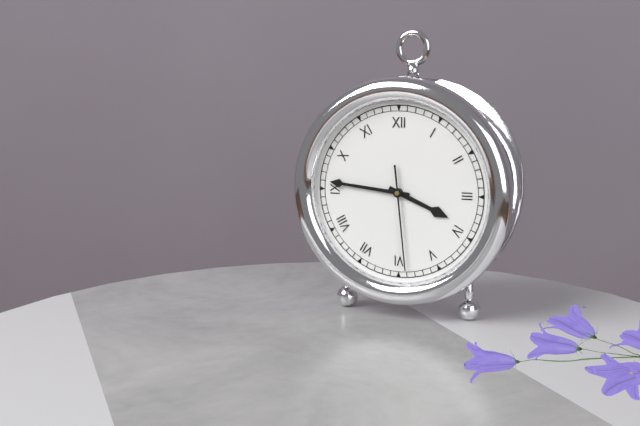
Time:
3.46.29
